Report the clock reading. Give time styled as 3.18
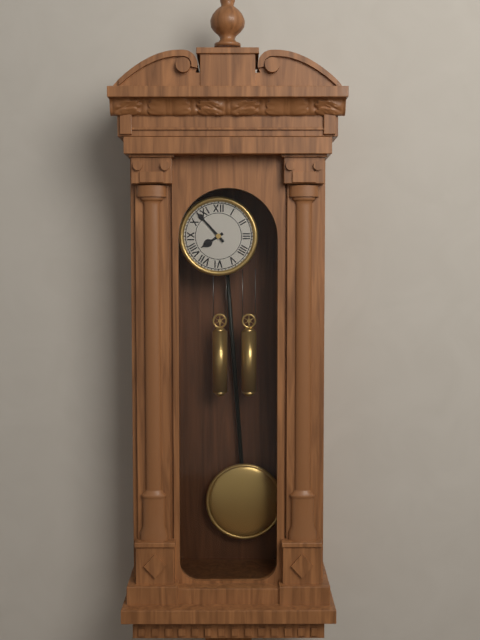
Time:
7.53
